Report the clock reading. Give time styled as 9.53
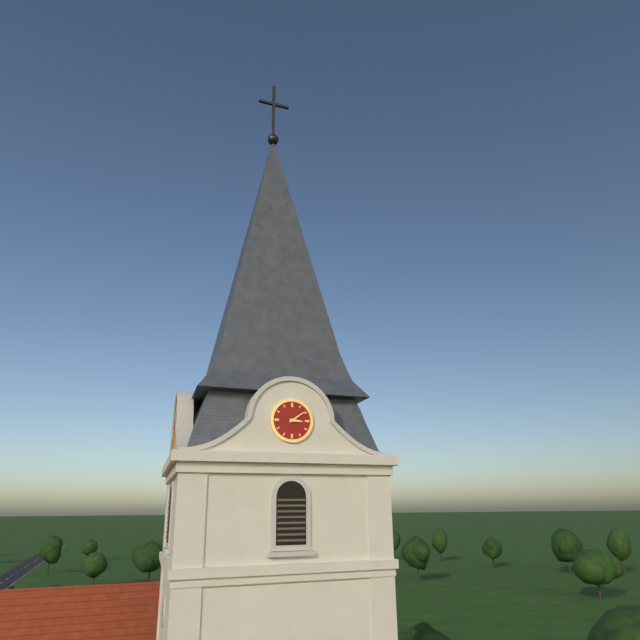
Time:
3.09
